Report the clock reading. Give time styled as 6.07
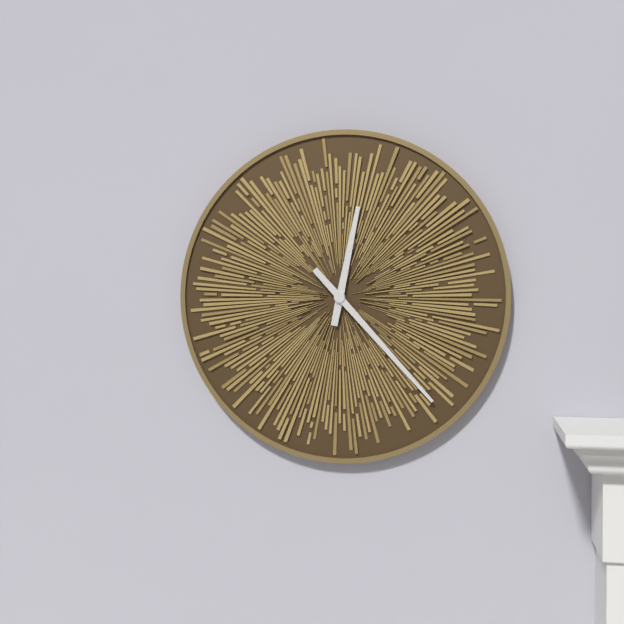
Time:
12.23
